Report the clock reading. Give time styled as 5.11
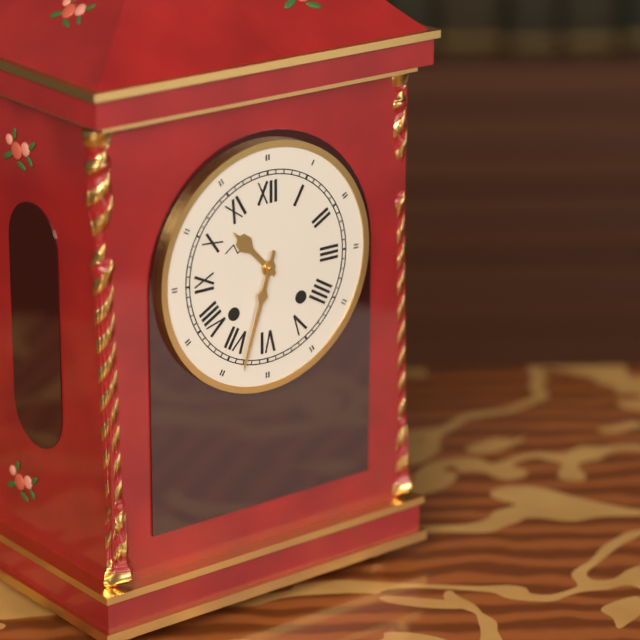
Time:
10.33
